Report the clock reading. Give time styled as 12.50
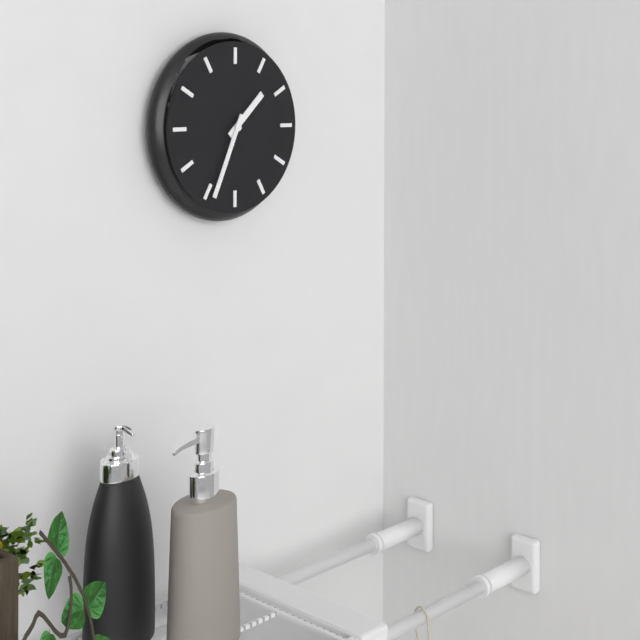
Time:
1.34
